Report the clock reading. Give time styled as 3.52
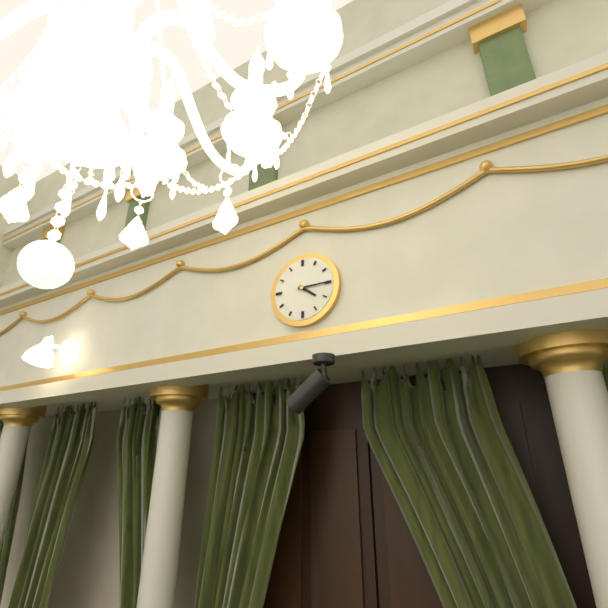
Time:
4.15
